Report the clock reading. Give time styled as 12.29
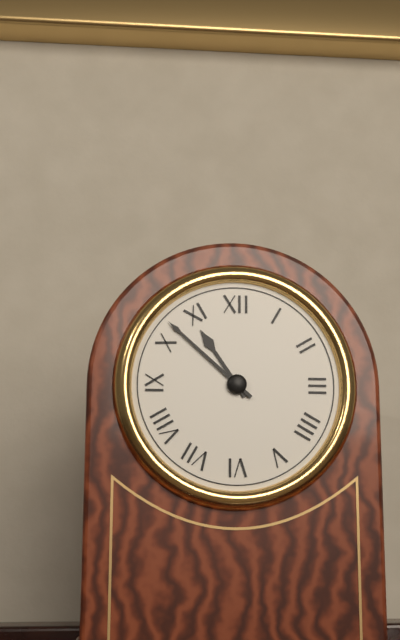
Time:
10.52
